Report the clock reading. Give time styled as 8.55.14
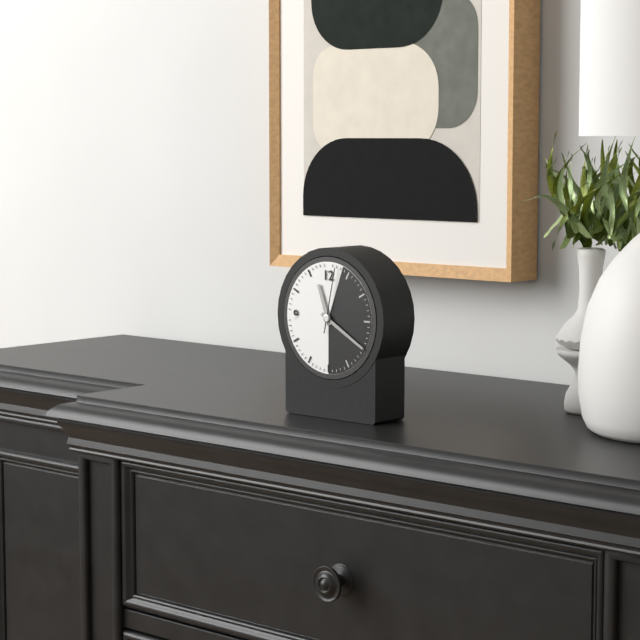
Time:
11.20.02
